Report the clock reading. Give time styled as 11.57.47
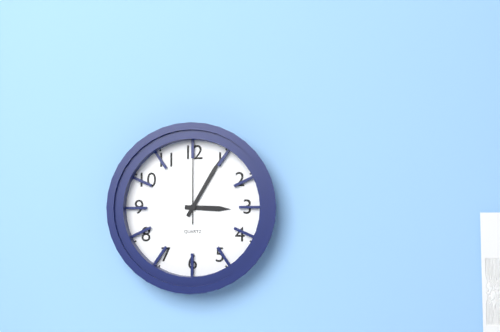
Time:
3.05.00
